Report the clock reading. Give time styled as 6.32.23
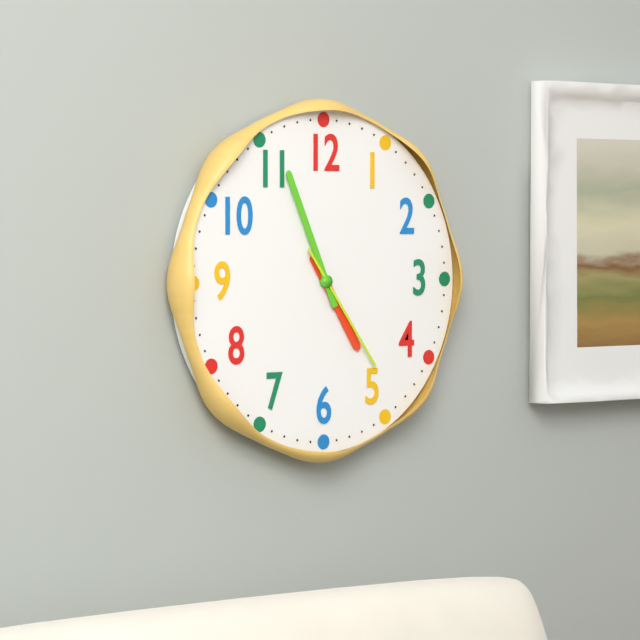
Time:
4.56.24
